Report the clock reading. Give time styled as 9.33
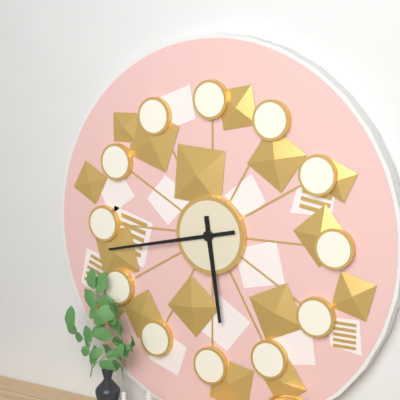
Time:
5.43
